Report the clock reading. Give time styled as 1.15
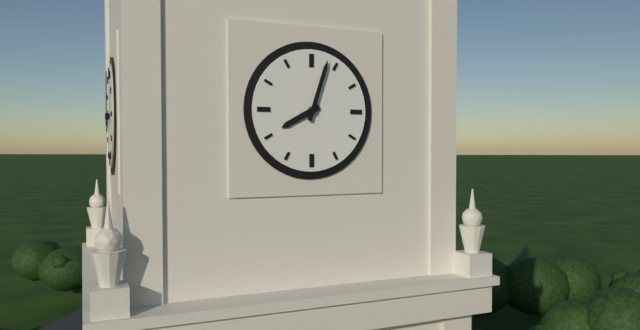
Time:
8.03
